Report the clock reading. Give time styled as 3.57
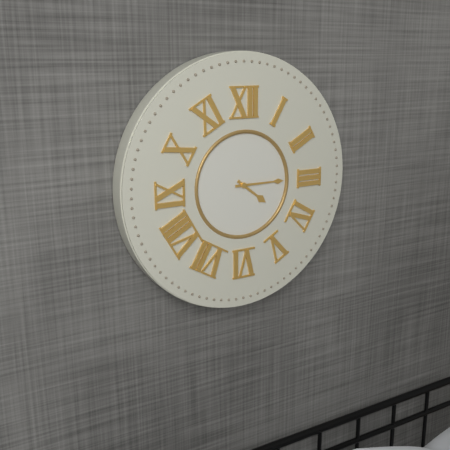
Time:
4.15
